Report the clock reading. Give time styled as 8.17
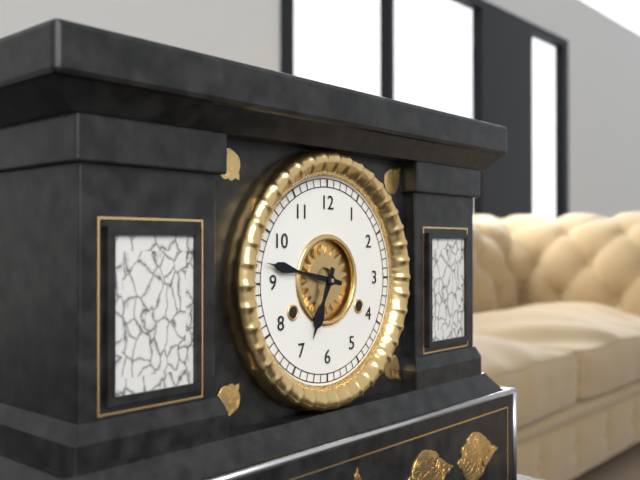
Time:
6.47
